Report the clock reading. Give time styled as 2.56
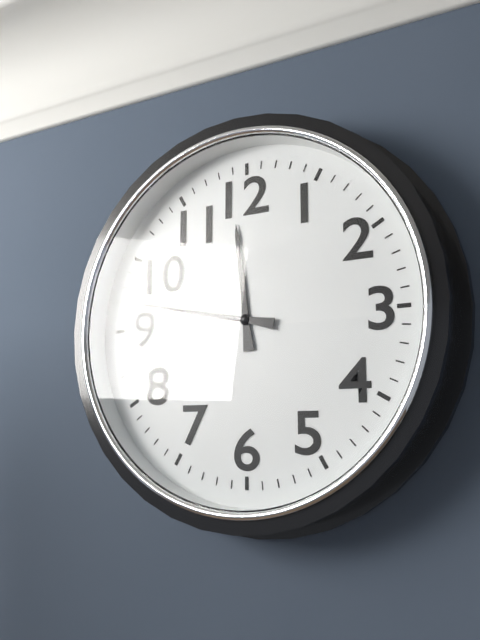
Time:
11.47
